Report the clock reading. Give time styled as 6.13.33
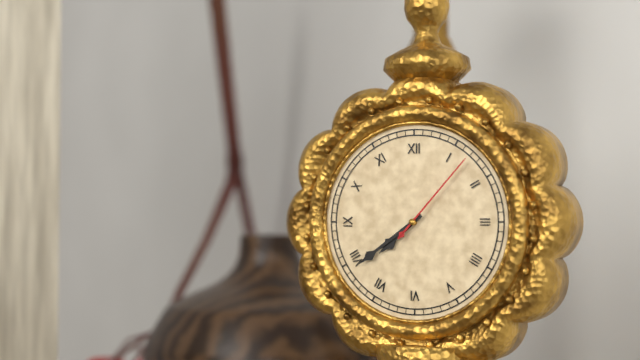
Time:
7.39.07
